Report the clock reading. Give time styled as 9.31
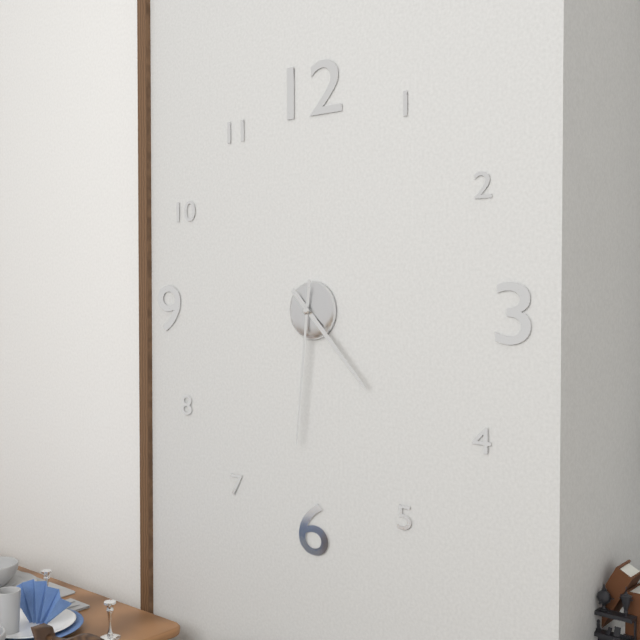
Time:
4.31
